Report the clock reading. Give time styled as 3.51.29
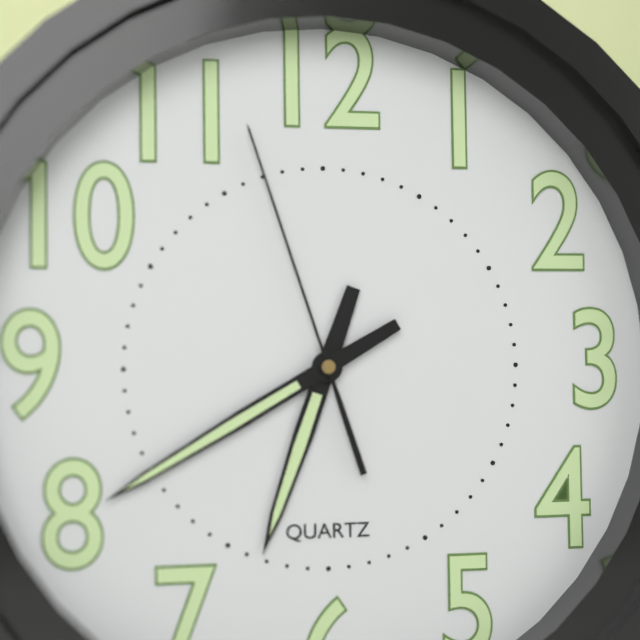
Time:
6.40.57
